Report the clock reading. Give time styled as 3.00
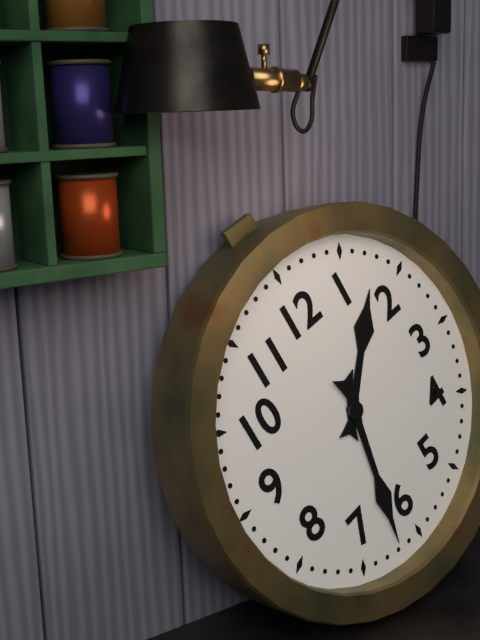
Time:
1.32
